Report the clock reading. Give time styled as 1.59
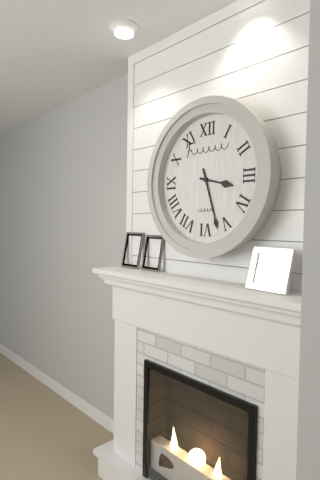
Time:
3.27
